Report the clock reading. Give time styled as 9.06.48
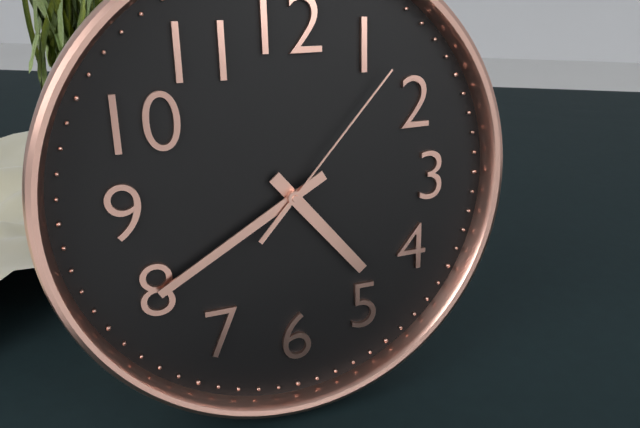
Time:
4.40.07
